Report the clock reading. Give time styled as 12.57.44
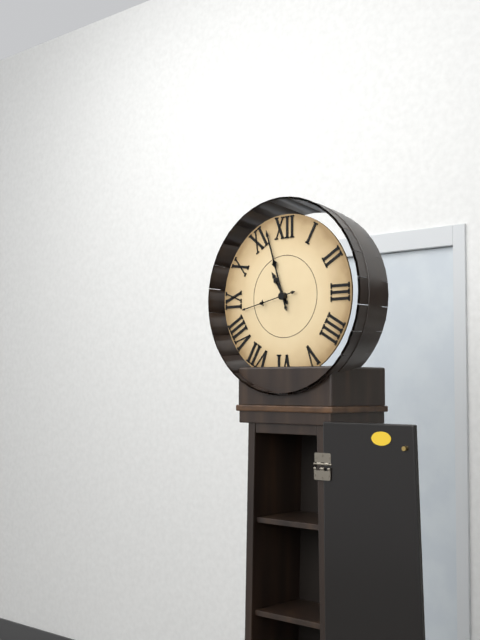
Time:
10.57.43
